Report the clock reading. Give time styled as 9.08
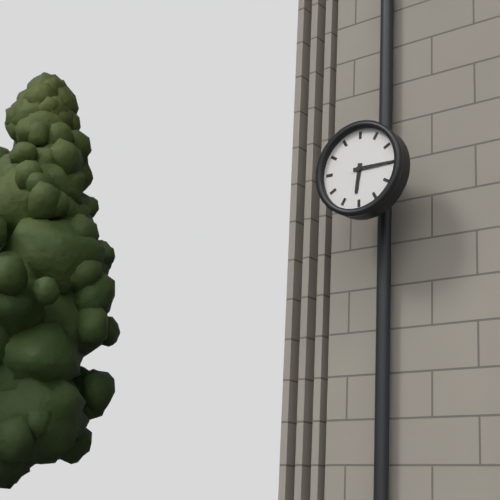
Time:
6.15
